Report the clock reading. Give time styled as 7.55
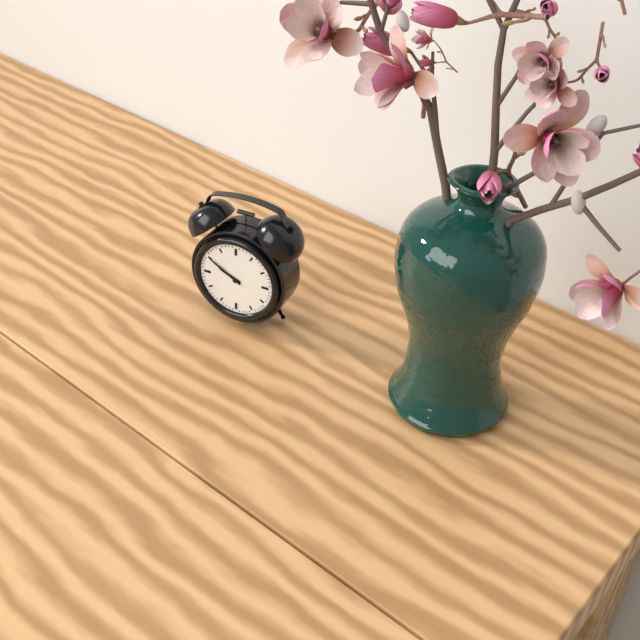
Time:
9.50
